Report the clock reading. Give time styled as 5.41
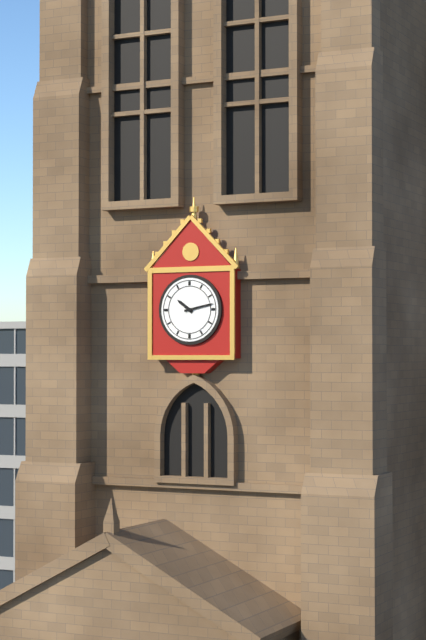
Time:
10.13
